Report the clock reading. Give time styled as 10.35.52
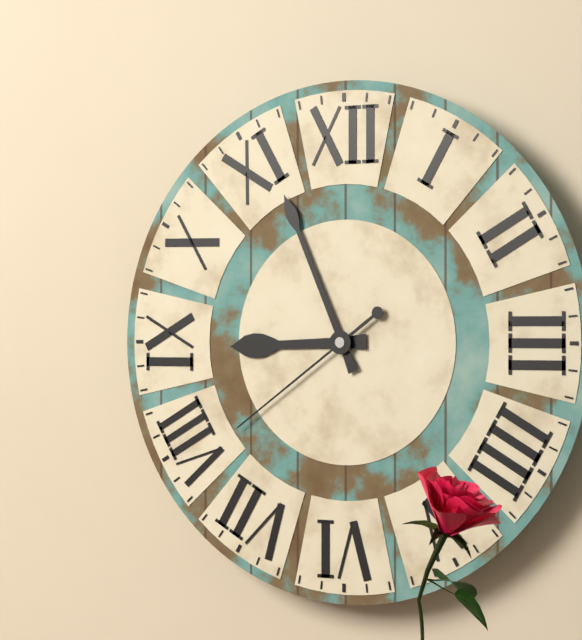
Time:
8.56.39
